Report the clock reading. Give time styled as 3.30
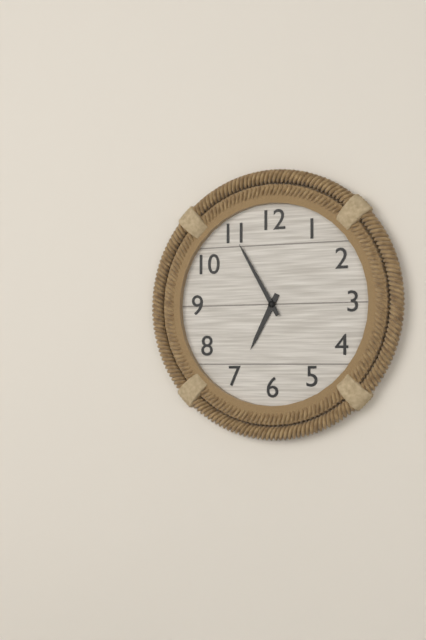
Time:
6.55
